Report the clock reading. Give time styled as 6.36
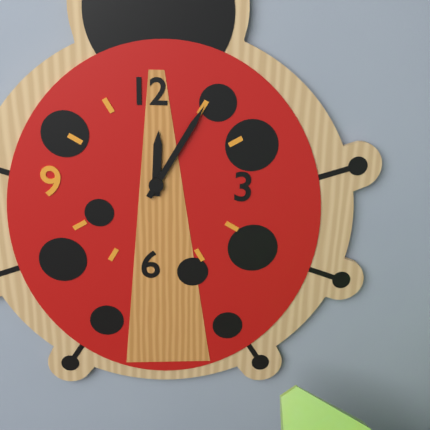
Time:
12.05
